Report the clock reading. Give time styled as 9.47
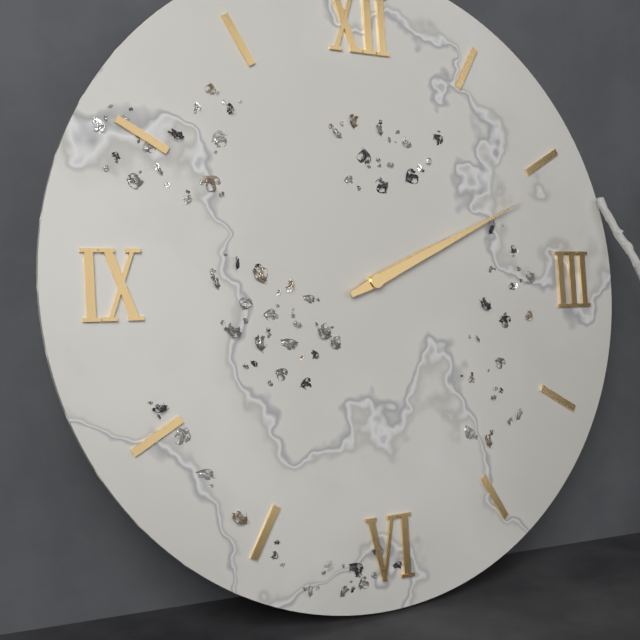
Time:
2.11
